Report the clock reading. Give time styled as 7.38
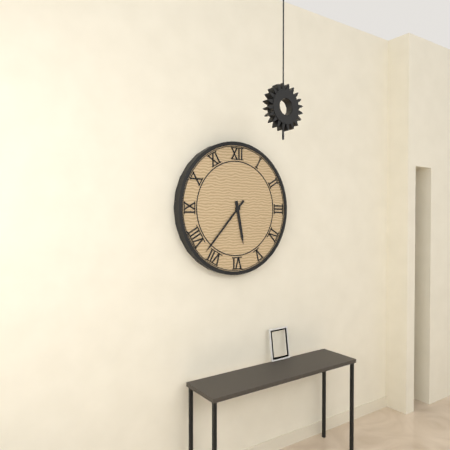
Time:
5.37
